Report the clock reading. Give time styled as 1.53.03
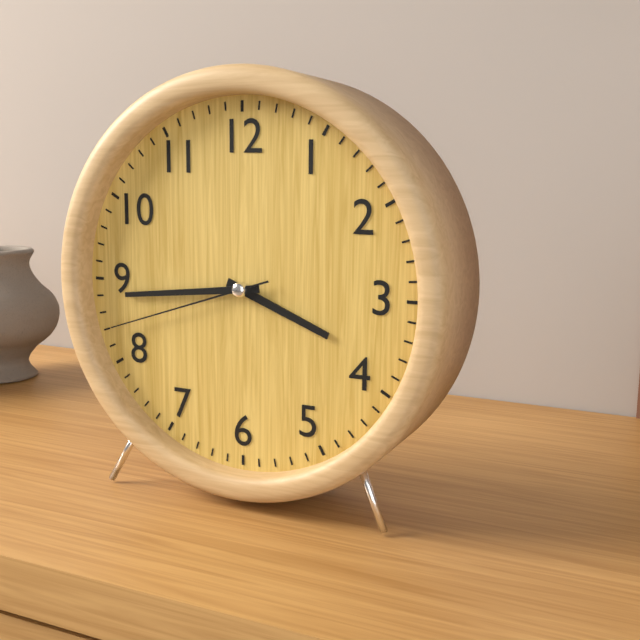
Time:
3.44.42
